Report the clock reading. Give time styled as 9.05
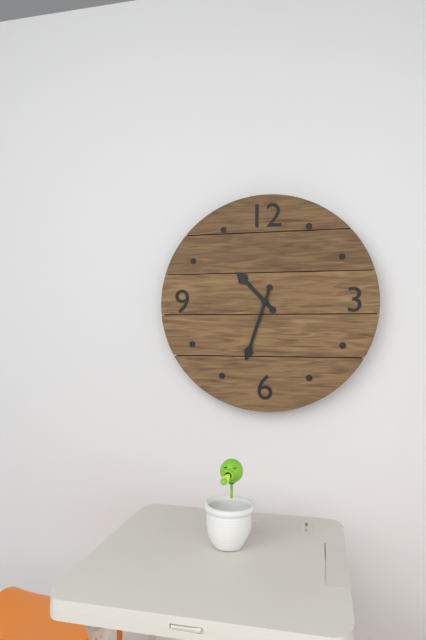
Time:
10.33
